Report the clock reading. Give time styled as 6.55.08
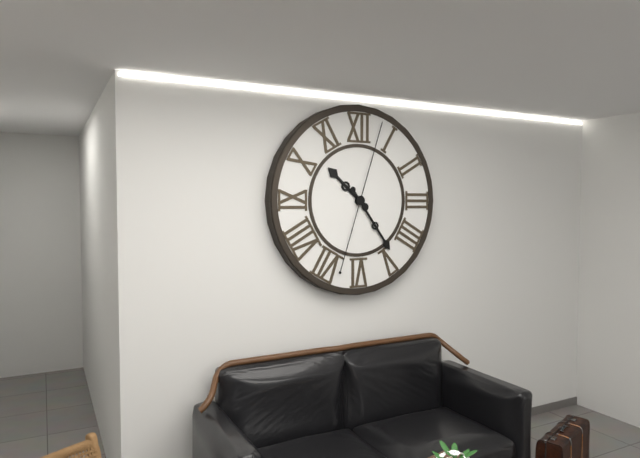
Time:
10.24.03
